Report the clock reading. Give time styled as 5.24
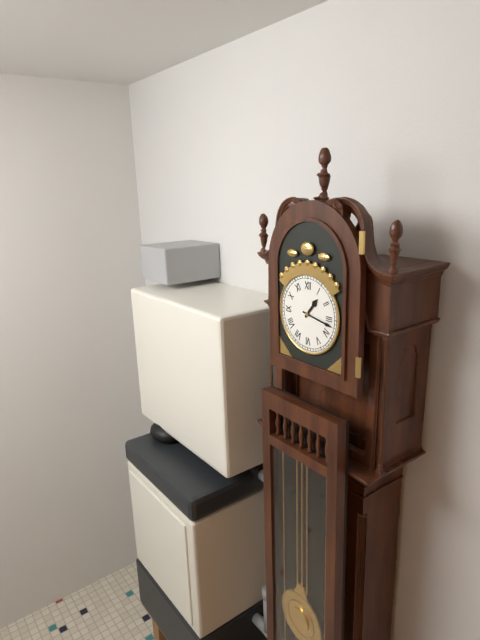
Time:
1.17
